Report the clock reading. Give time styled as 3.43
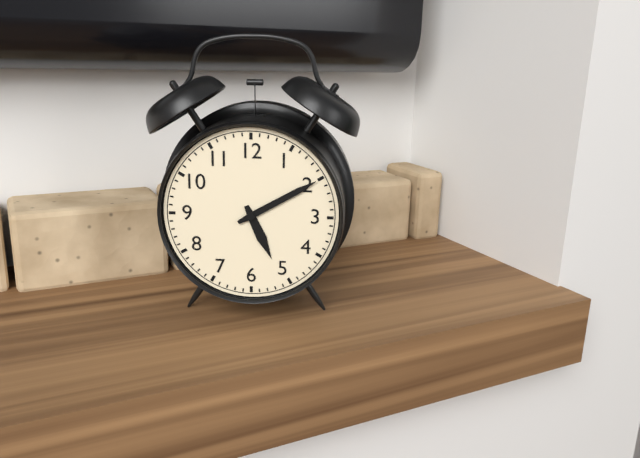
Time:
5.10
